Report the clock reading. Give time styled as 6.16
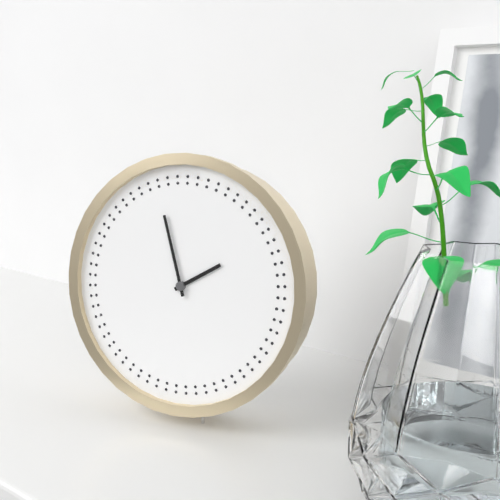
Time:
1.57
